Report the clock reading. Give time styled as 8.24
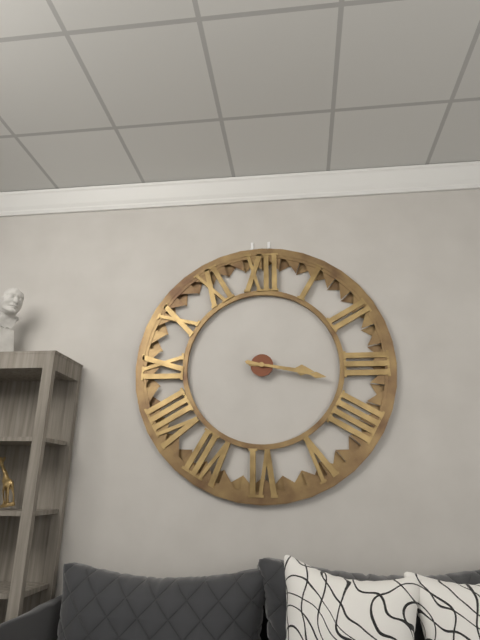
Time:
3.17
